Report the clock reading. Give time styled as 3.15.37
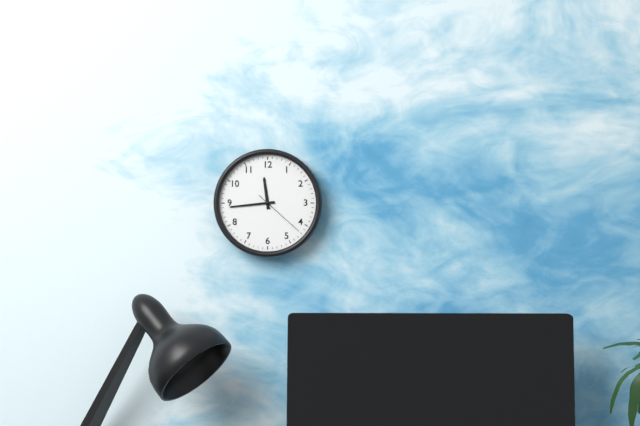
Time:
11.44.22
